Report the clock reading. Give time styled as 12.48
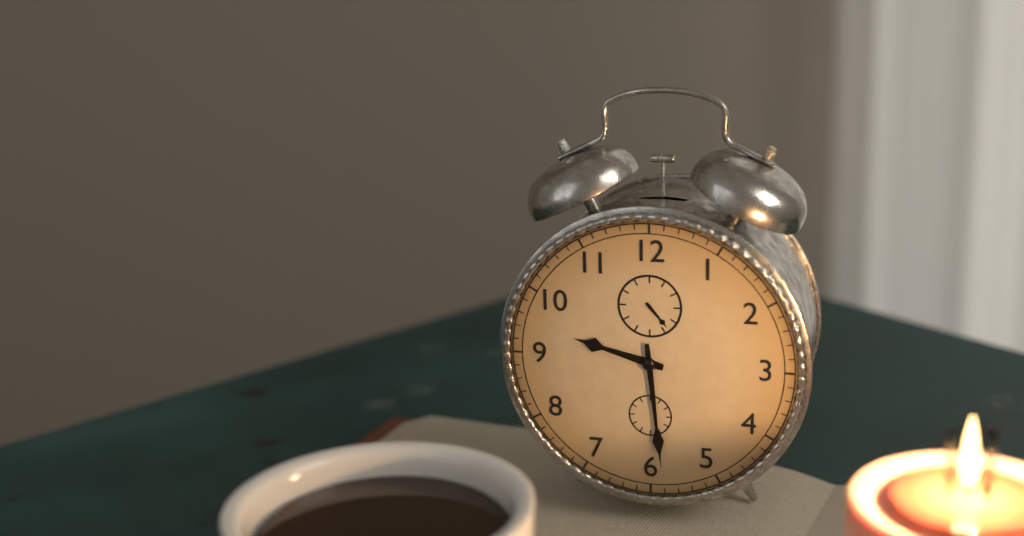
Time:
9.29
